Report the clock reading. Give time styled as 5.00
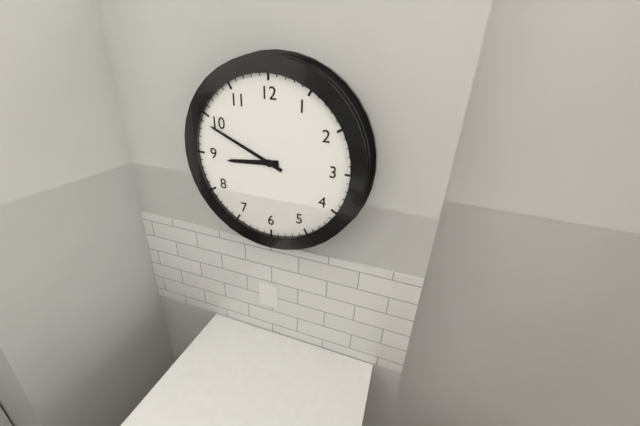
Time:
8.49
